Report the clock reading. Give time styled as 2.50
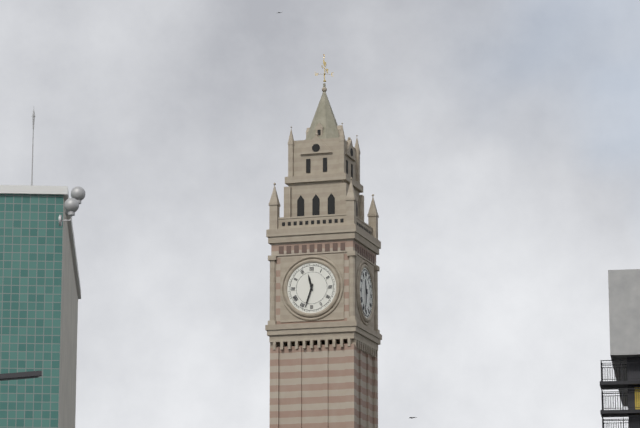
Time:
11.33
